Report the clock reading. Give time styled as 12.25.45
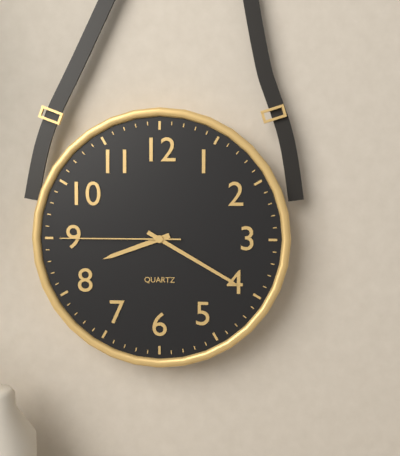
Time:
8.20.45
